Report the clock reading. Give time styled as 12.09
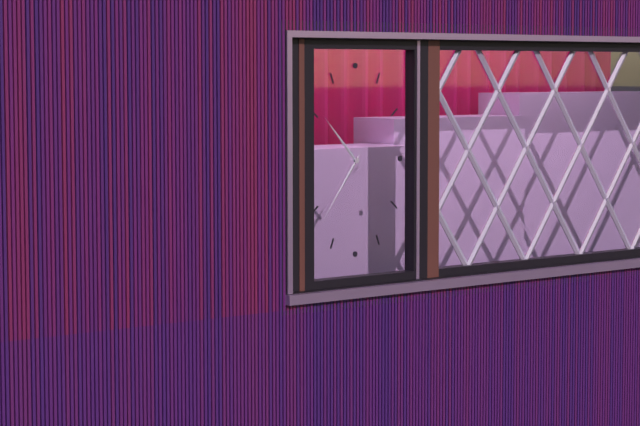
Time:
10.36
